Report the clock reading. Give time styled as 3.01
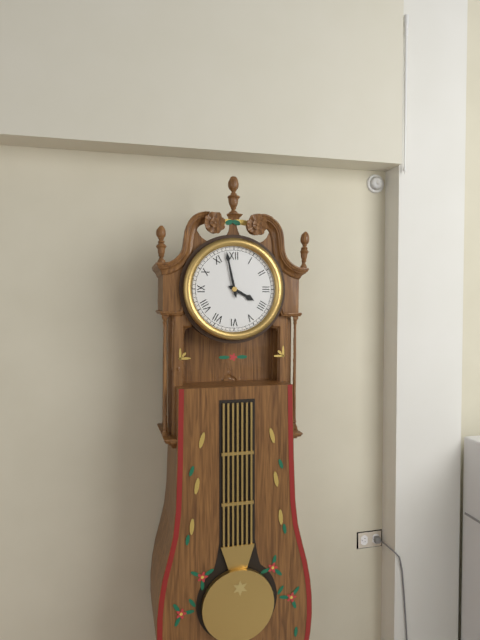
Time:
3.58
